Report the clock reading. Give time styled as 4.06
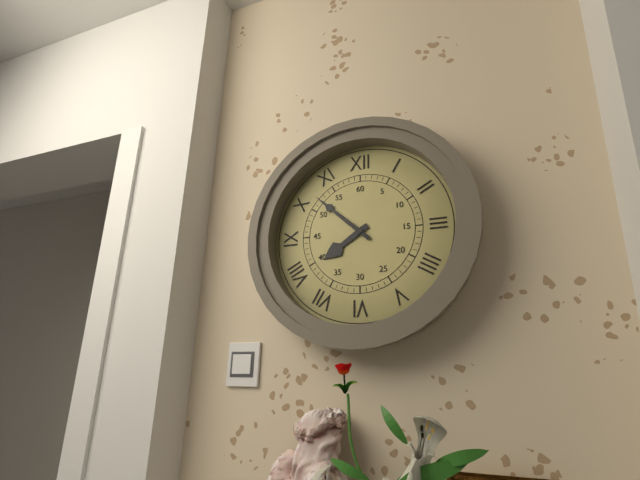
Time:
7.52
